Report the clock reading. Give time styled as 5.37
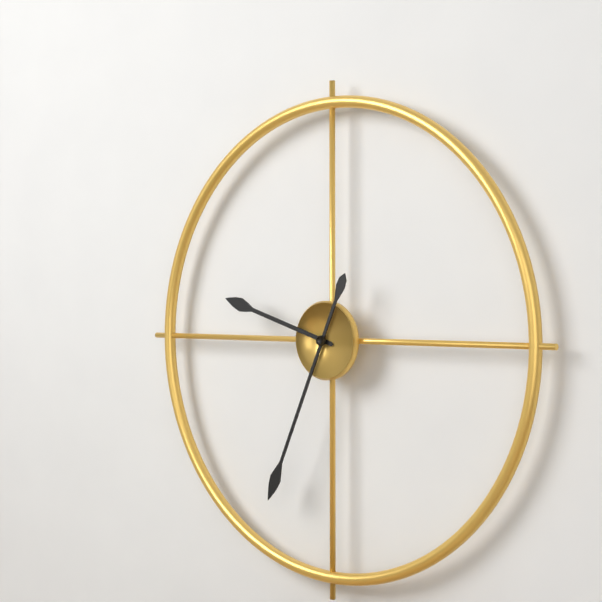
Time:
9.34
